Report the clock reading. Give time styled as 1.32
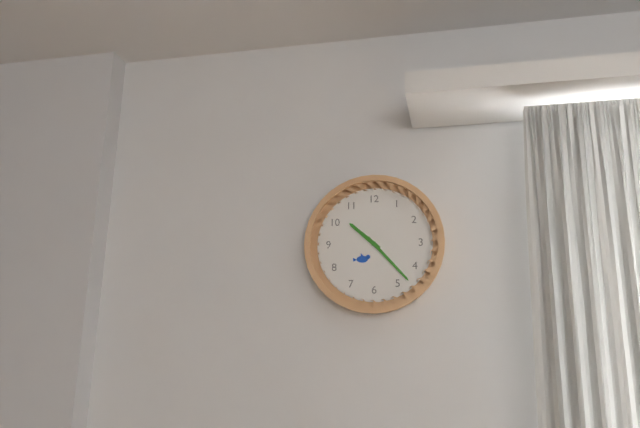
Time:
10.23
